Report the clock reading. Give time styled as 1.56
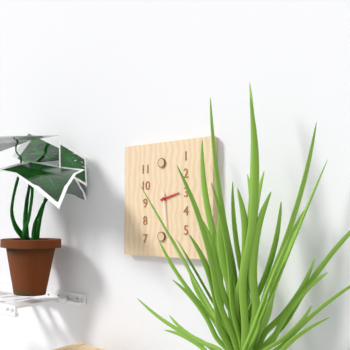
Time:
2.29
